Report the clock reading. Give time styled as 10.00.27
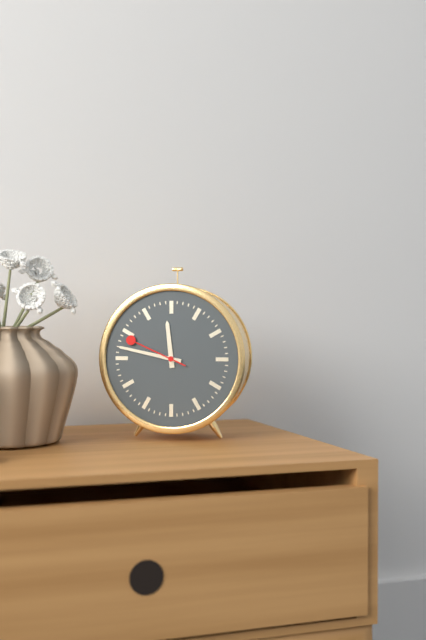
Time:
11.47.49
